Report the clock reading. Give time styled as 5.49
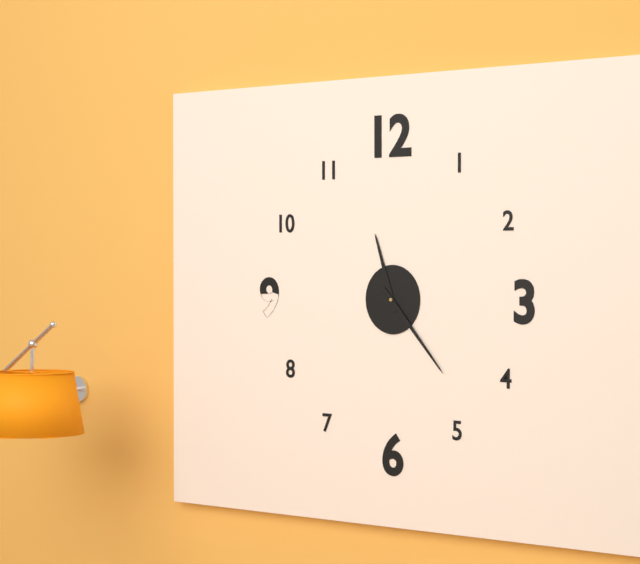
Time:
11.23
